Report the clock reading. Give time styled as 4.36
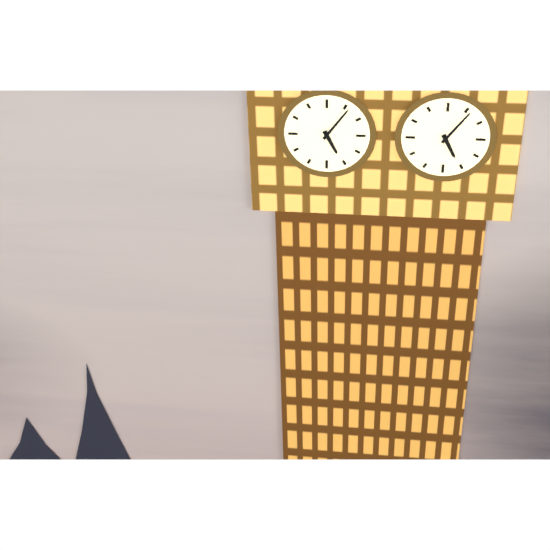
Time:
5.06
